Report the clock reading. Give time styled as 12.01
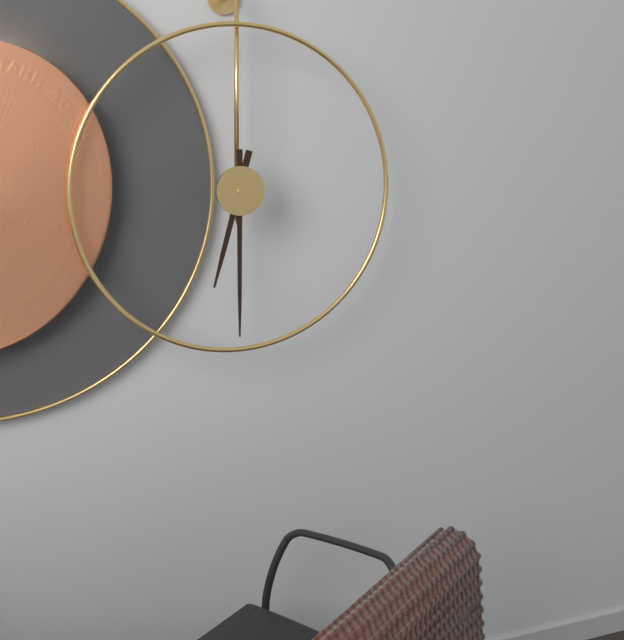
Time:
6.30
